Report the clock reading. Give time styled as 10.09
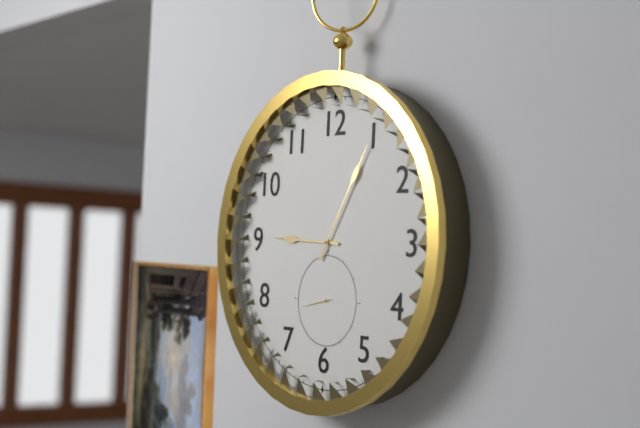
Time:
9.05
